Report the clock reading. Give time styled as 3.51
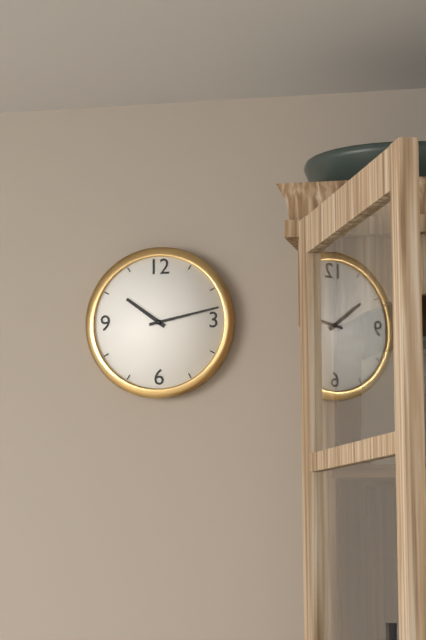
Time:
10.13
